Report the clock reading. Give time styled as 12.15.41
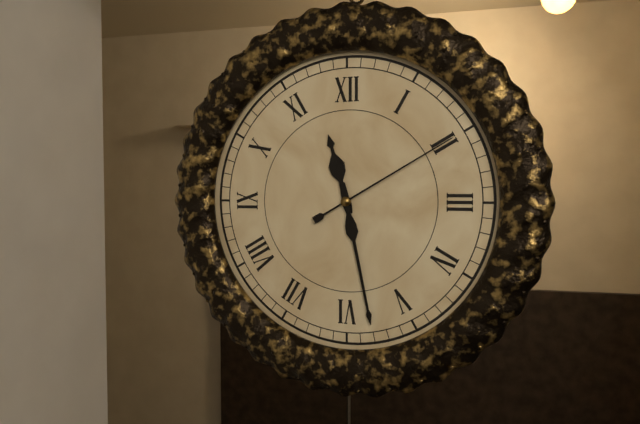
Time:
11.28.10
